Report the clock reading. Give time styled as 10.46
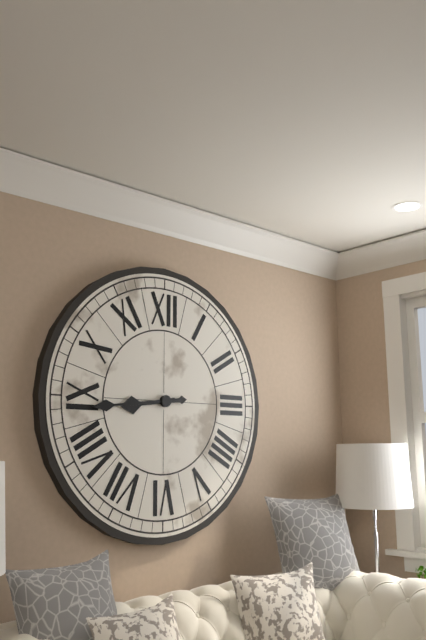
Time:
8.44
